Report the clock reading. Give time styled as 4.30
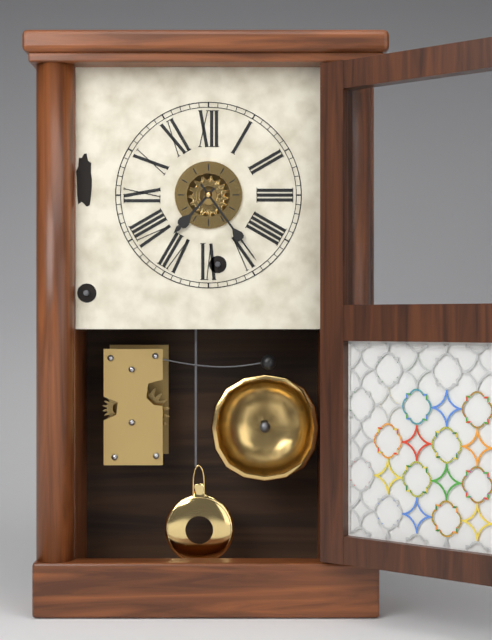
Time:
7.24
